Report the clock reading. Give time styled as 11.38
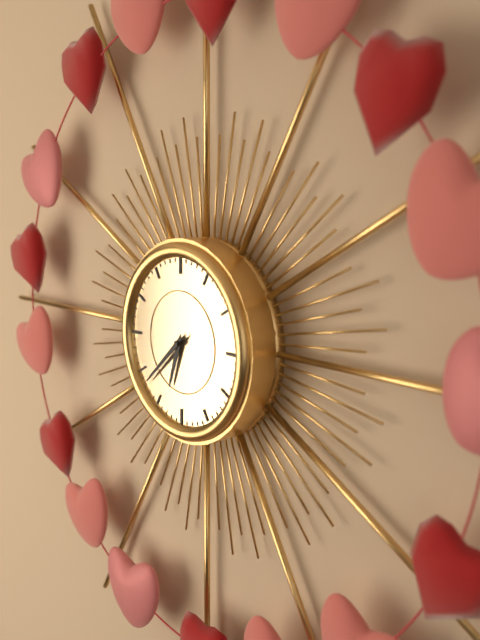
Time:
6.38
